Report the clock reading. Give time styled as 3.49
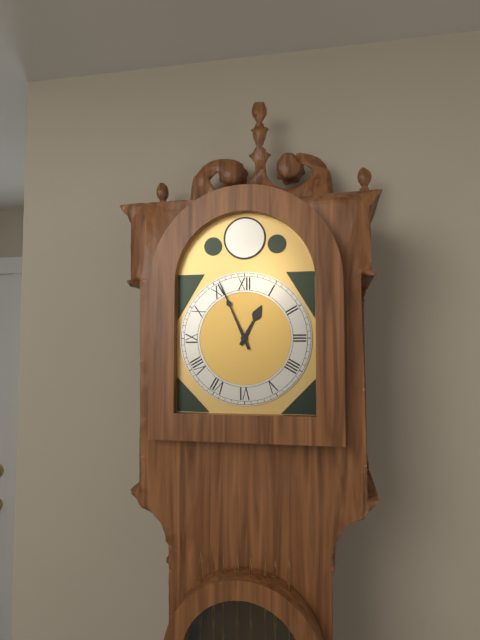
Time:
12.56
